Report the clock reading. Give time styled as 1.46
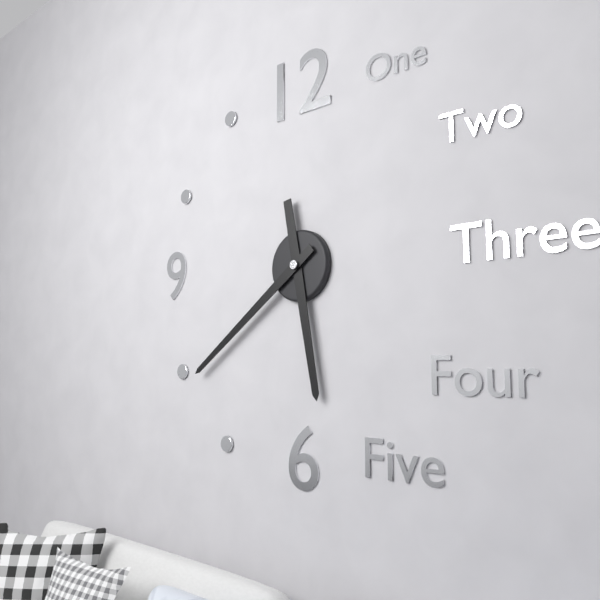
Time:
5.39
